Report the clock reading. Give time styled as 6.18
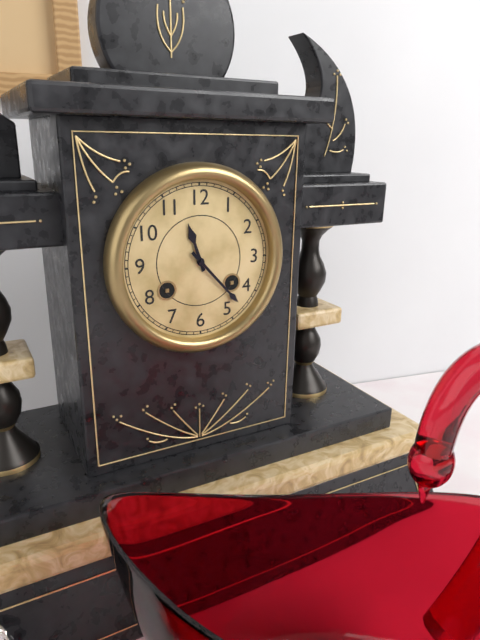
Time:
11.23
